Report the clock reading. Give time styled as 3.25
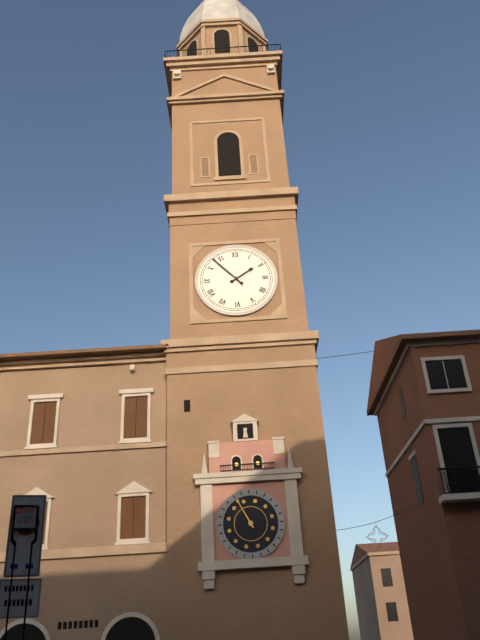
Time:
1.53
